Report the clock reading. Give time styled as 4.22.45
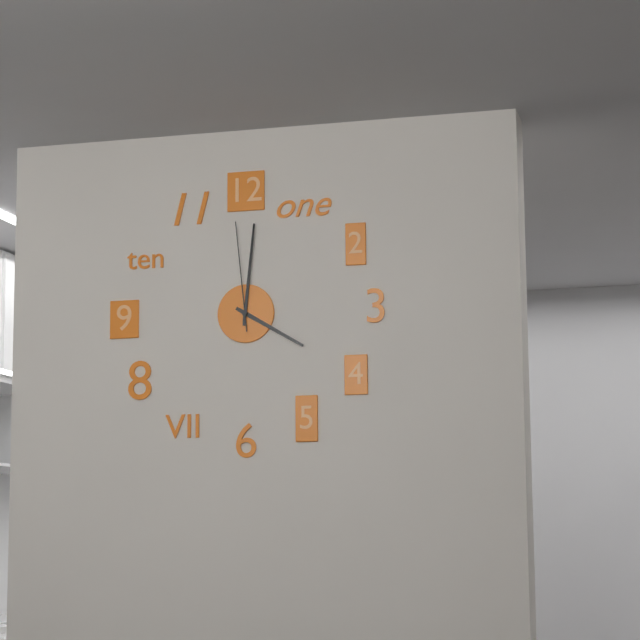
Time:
4.01.59
